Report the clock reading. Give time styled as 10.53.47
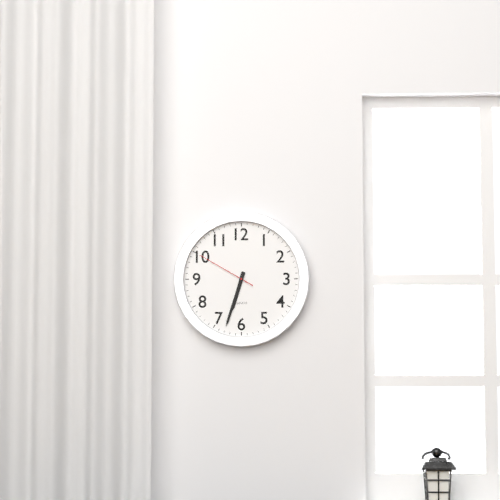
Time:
6.33.50
